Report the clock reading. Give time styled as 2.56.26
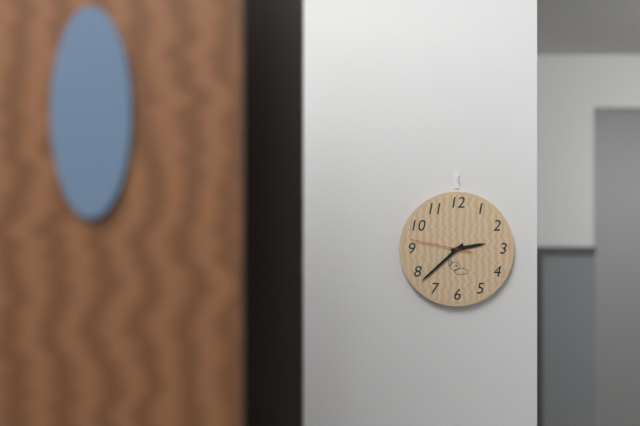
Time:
2.38.47
